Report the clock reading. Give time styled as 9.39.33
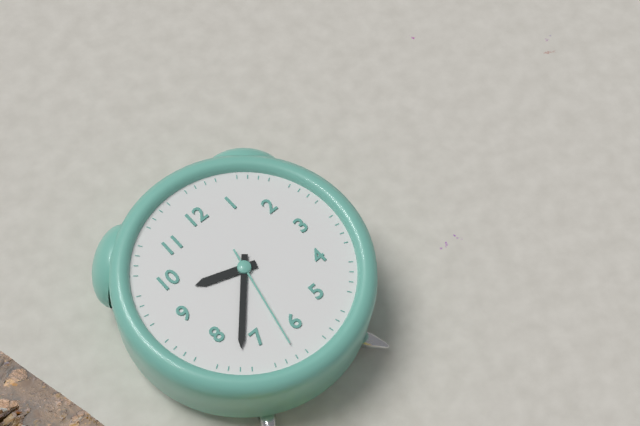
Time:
9.37.32
